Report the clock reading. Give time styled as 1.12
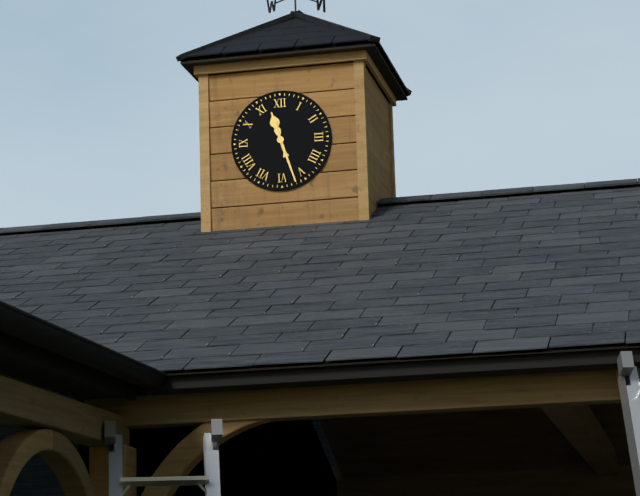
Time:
11.27
